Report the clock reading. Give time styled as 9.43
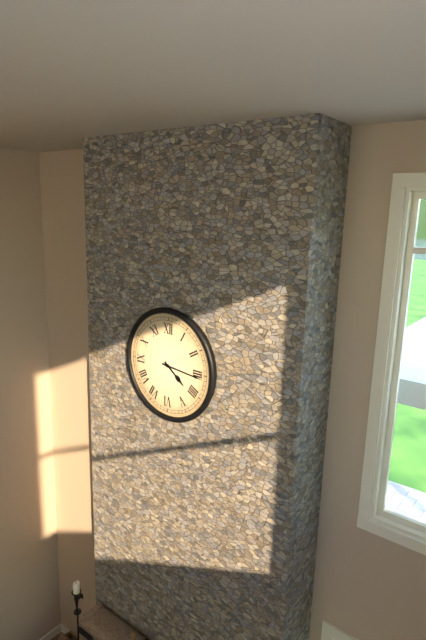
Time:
4.16
